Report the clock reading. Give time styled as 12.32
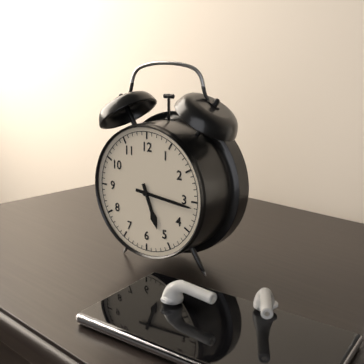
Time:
5.16
